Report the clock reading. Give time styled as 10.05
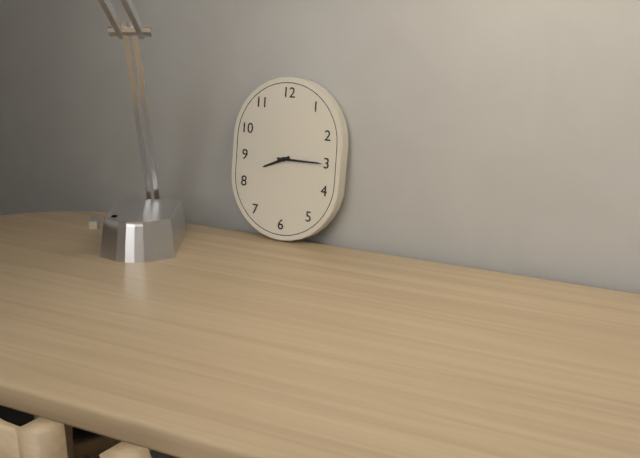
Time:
8.15
